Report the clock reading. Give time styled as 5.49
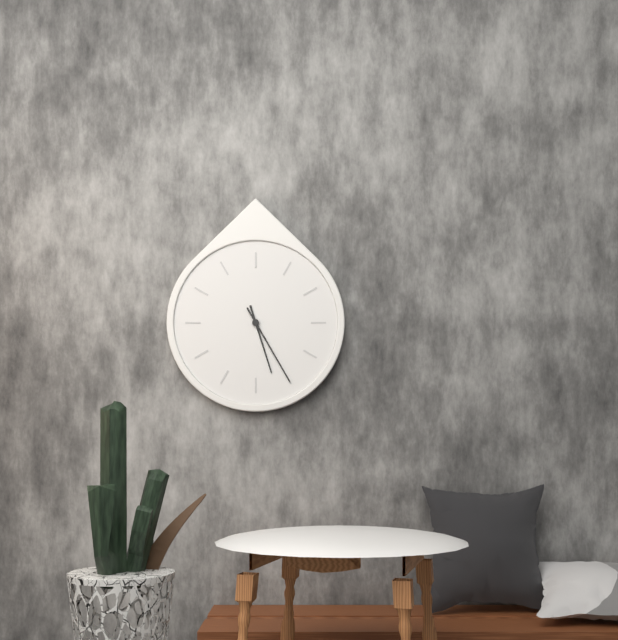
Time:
5.25
